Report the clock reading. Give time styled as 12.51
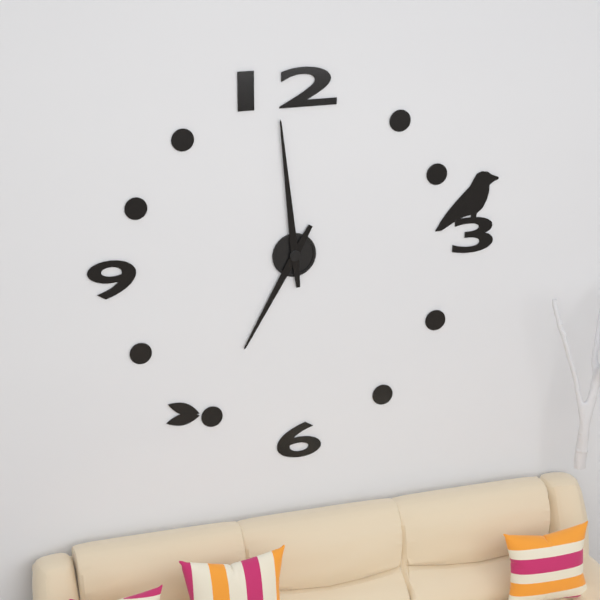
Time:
6.59
